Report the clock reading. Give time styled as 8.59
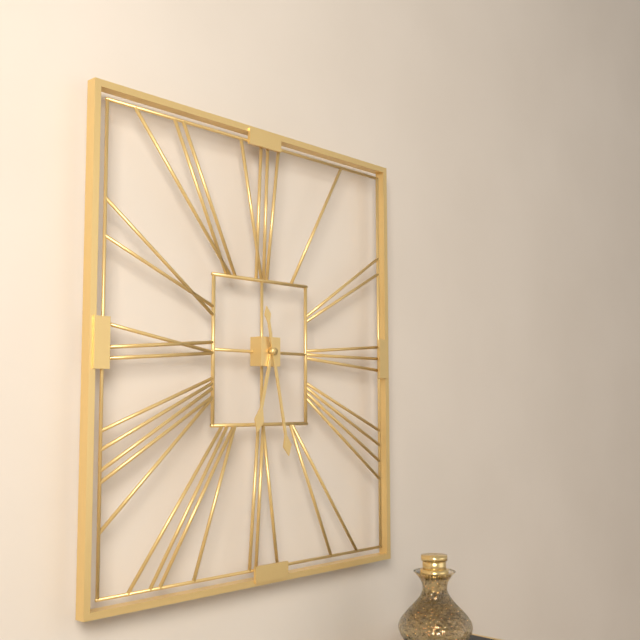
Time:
6.28
